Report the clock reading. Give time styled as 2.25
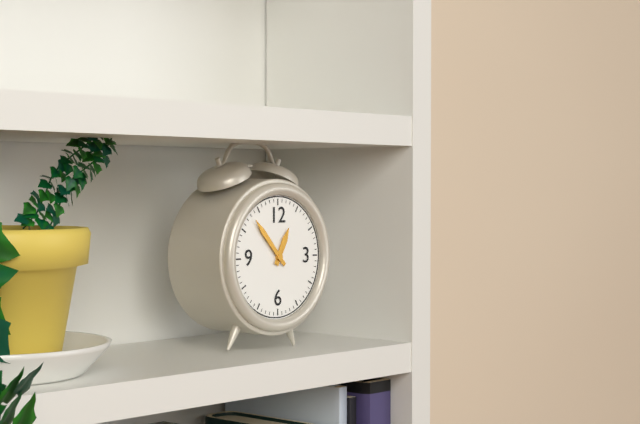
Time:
12.53
